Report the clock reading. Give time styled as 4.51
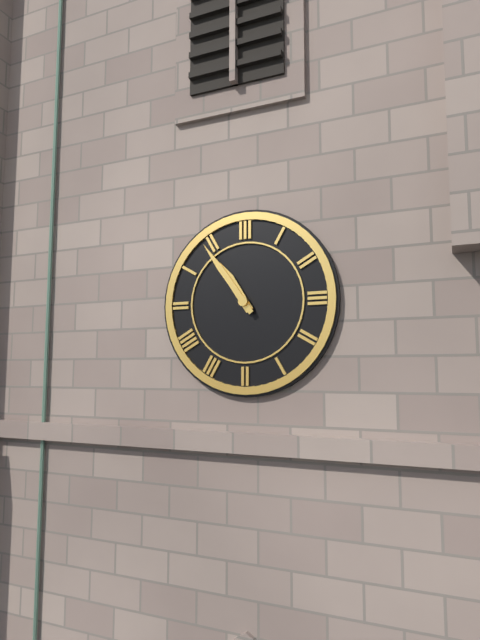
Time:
10.54
